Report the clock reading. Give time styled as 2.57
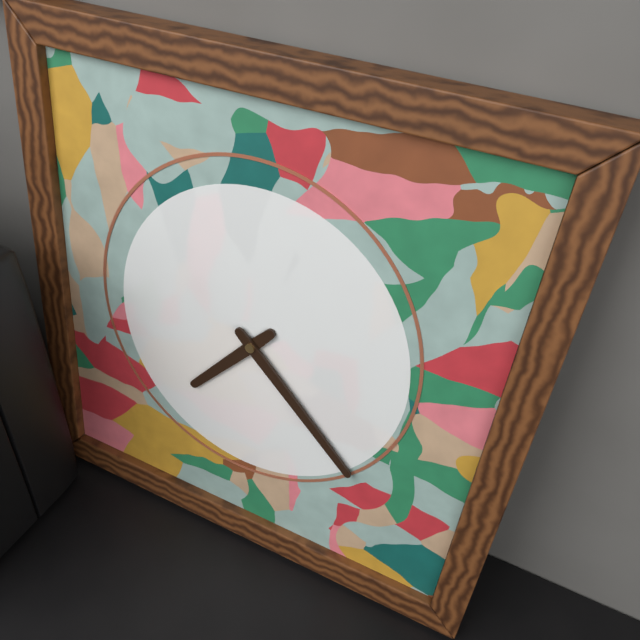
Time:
7.22
